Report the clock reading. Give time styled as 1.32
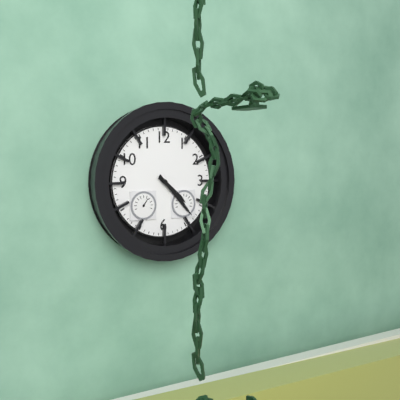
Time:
4.23
